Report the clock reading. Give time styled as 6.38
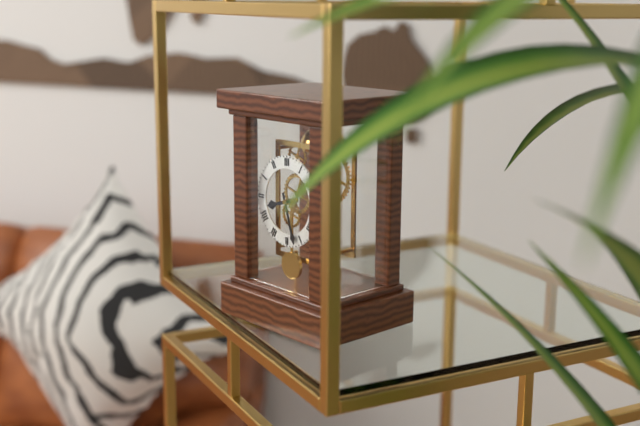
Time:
8.27
